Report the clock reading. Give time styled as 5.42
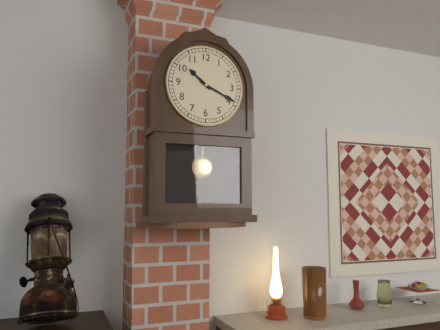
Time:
10.19
